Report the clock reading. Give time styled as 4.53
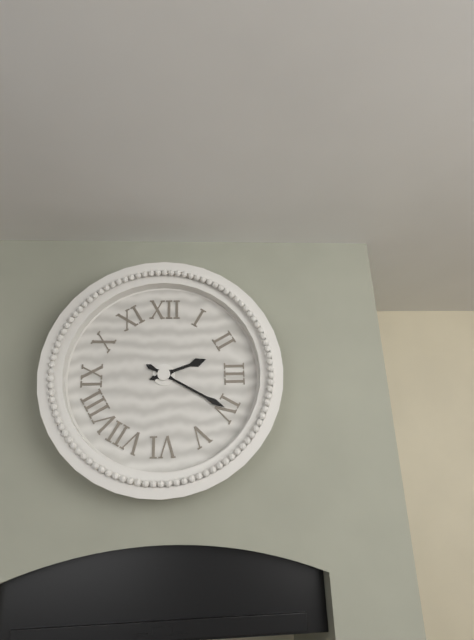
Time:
2.20
